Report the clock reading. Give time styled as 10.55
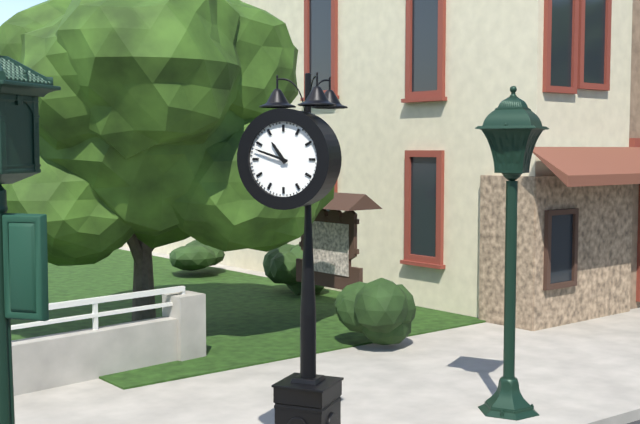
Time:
10.48
